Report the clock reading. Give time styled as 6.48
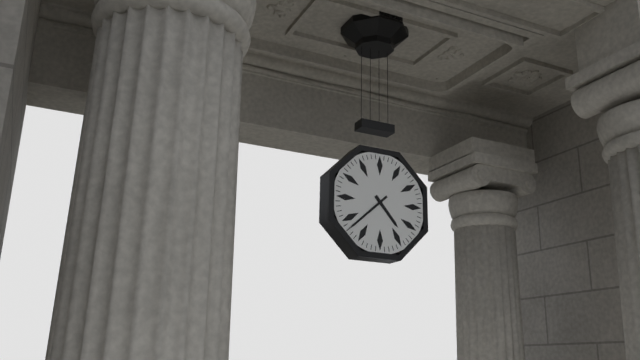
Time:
4.38
